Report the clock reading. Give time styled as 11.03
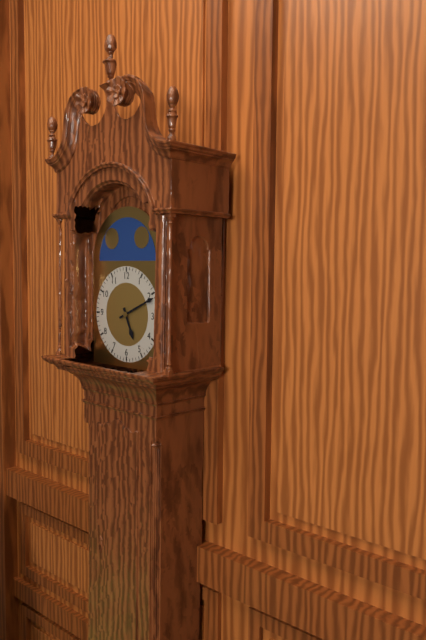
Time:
5.11
